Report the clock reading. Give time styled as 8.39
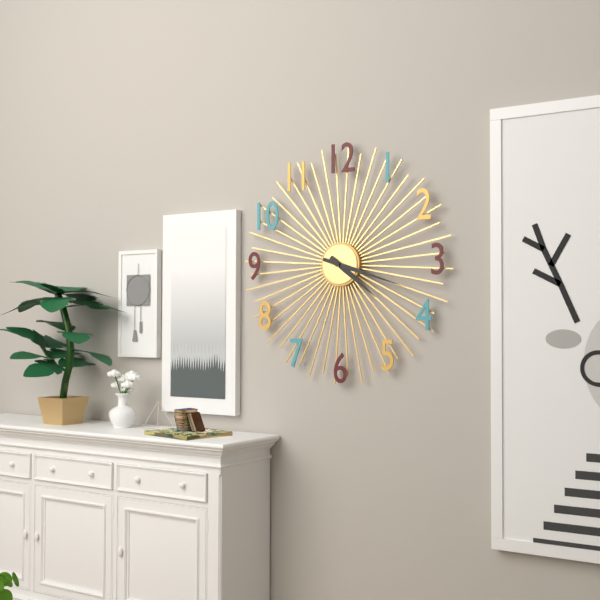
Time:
4.18
